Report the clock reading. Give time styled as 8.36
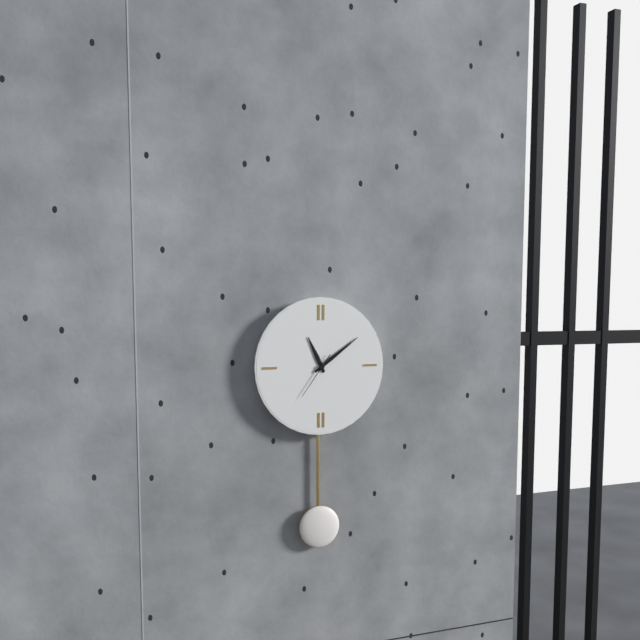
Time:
11.09
